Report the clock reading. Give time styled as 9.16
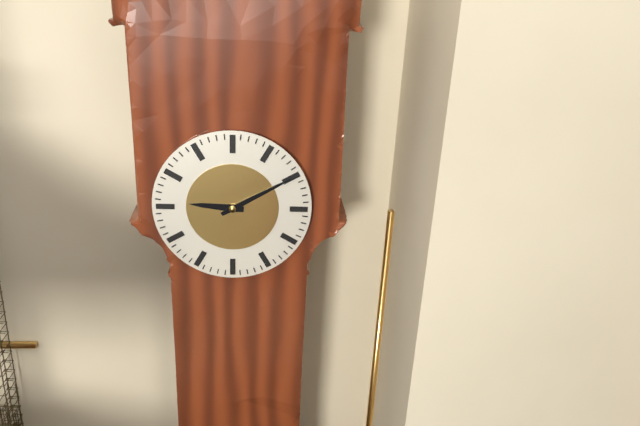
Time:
9.10
